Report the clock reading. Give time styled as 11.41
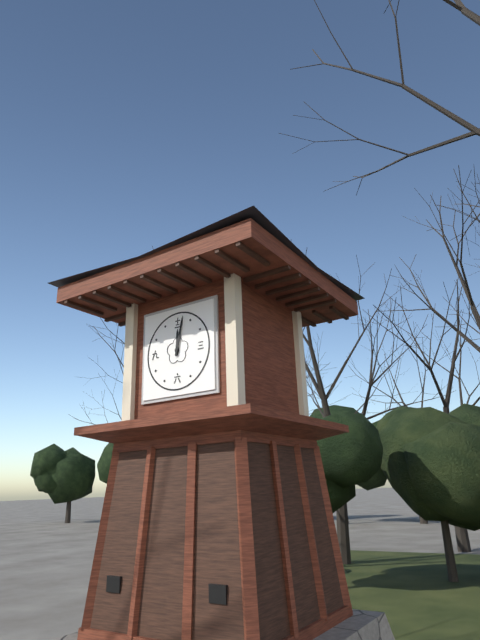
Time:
12.02
